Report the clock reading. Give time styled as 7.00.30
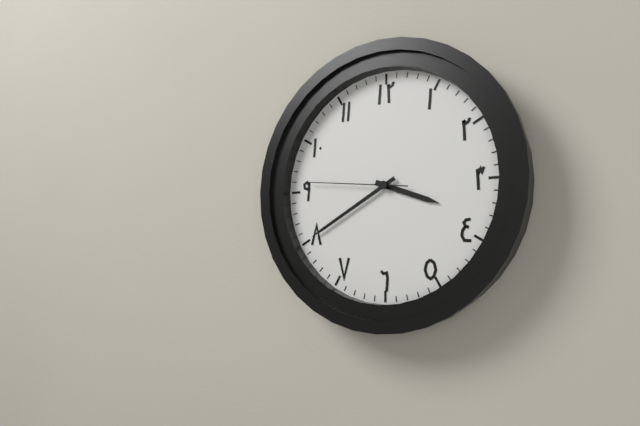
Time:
3.40.46
